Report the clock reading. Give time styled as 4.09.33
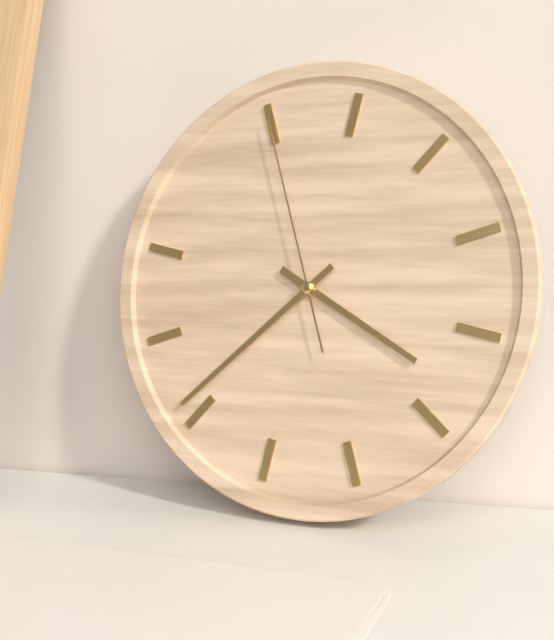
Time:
3.36.55
